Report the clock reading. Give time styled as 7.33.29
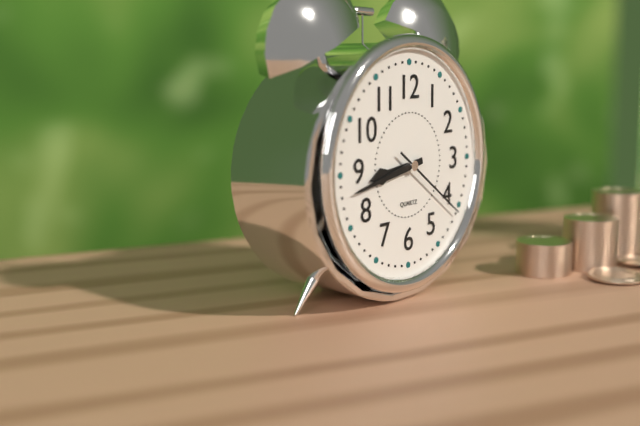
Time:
8.43.21
